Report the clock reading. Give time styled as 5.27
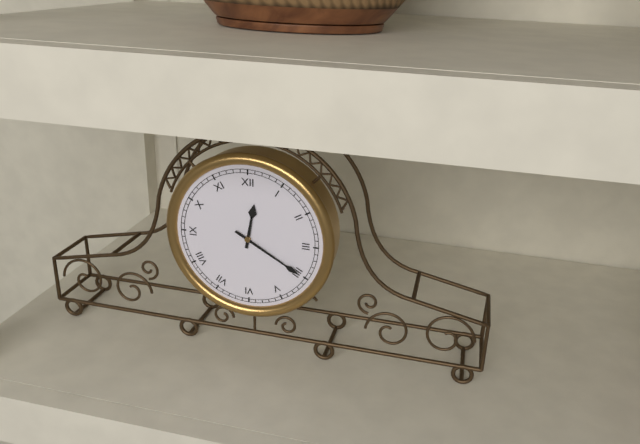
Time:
12.20
